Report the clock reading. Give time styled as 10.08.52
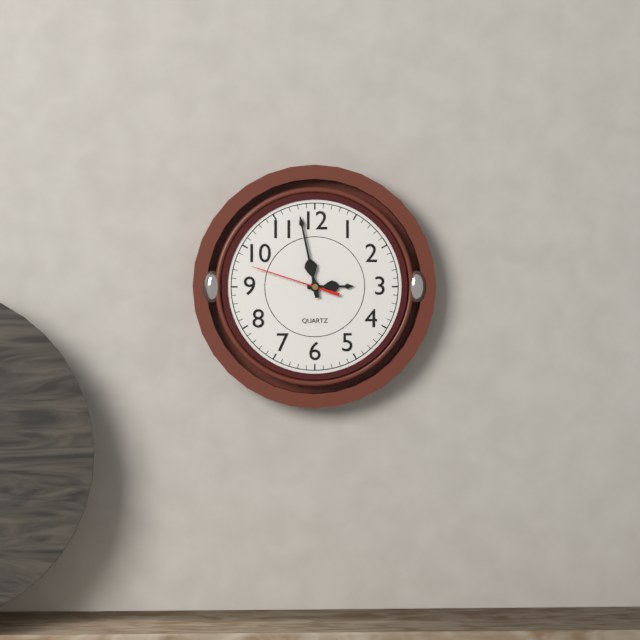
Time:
2.58.48
